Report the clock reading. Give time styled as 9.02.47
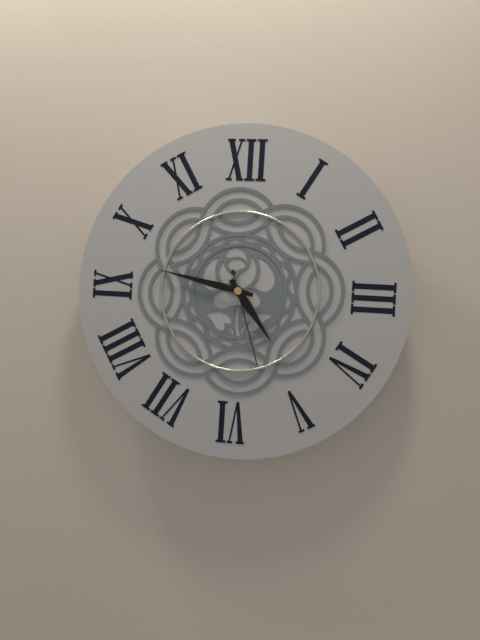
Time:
4.47.27
